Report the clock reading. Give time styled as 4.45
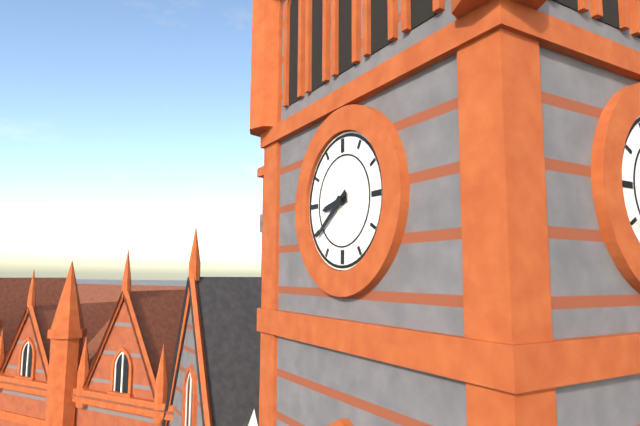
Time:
8.39
